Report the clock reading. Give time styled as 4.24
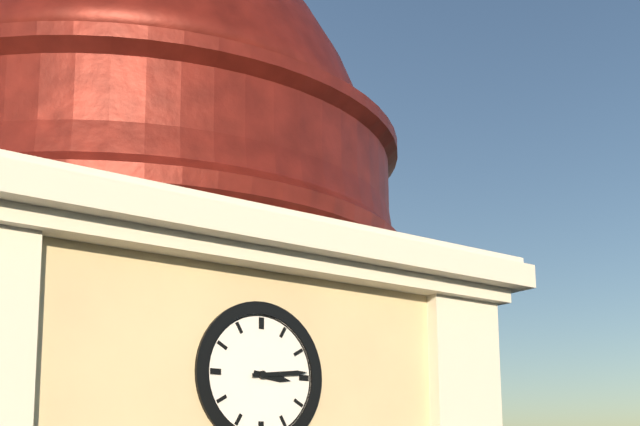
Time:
3.14
